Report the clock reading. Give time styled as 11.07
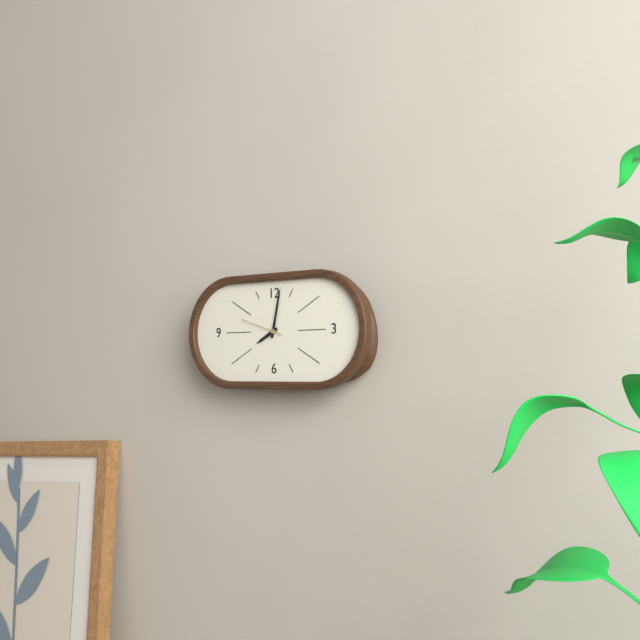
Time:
8.02
